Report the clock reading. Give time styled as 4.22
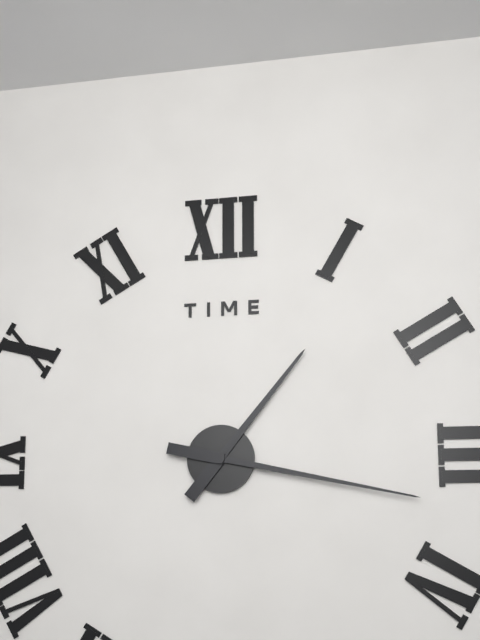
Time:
1.17
